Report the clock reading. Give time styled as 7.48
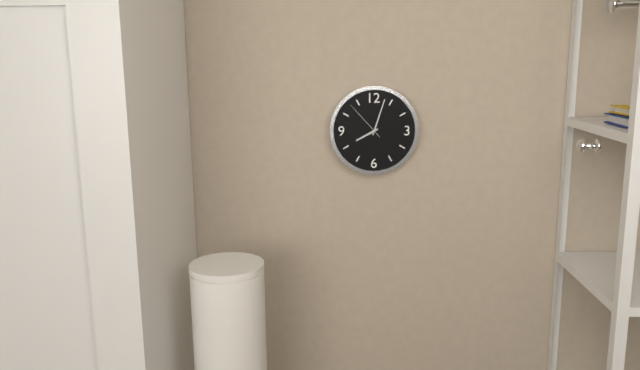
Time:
8.03
